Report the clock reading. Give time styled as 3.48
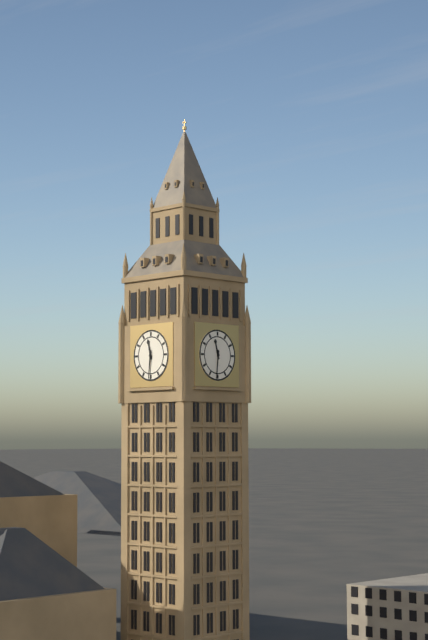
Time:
11.31
